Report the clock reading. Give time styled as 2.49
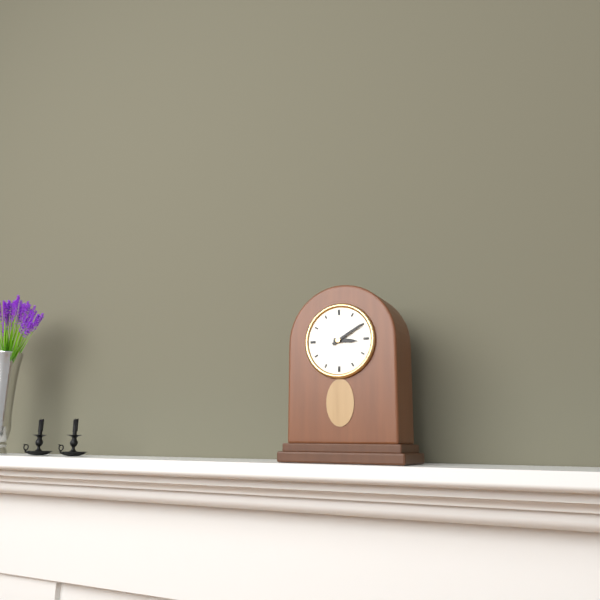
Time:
3.10
